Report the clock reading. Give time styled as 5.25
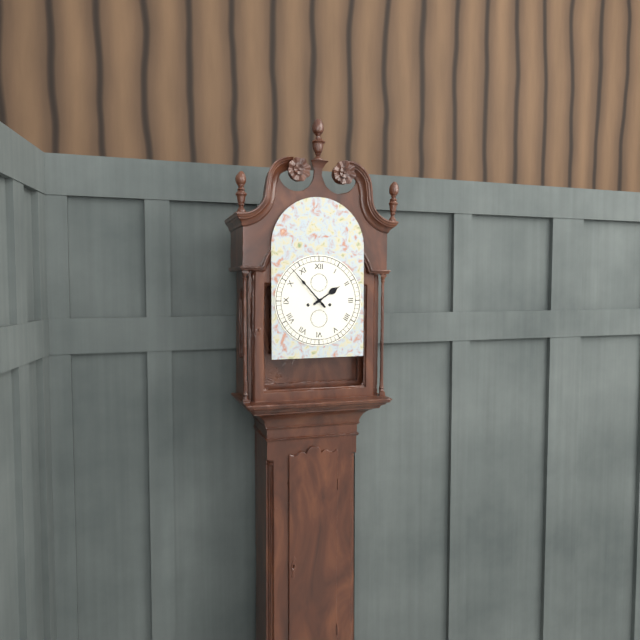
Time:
1.53
